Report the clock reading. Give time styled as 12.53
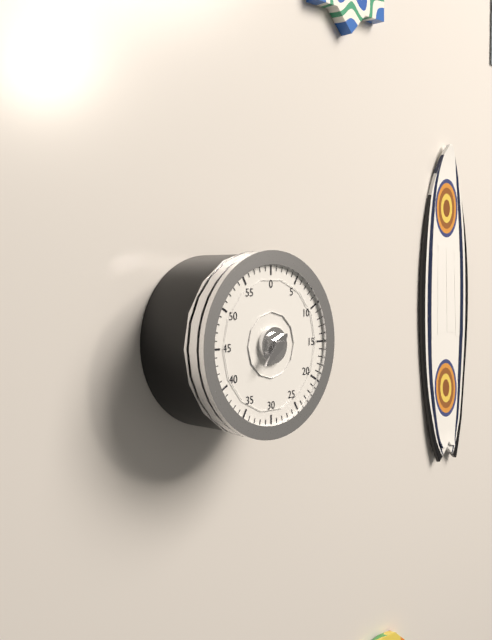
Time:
1.38
